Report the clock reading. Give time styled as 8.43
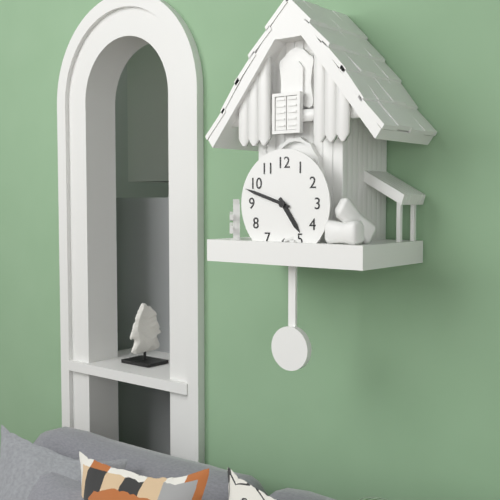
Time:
4.48
